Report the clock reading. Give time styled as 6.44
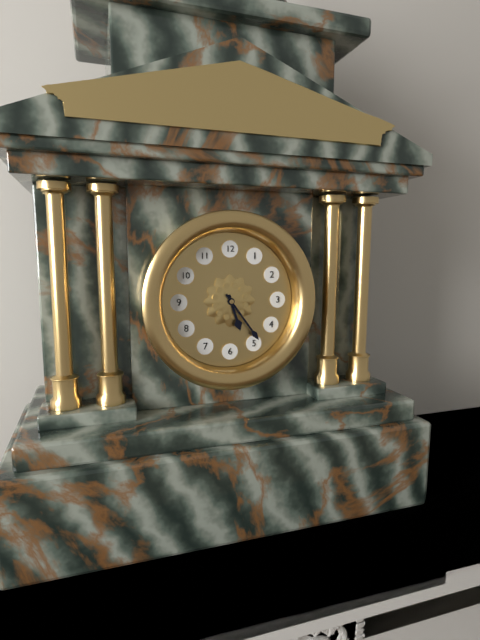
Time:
5.24
